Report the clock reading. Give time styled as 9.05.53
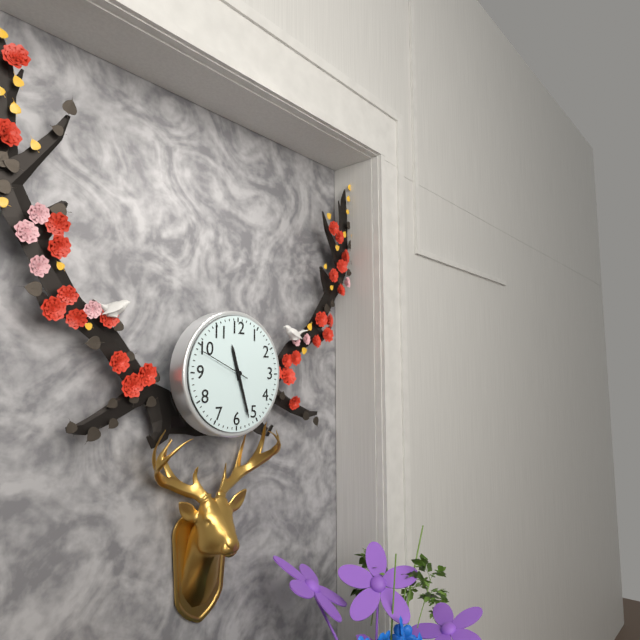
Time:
11.27.49
